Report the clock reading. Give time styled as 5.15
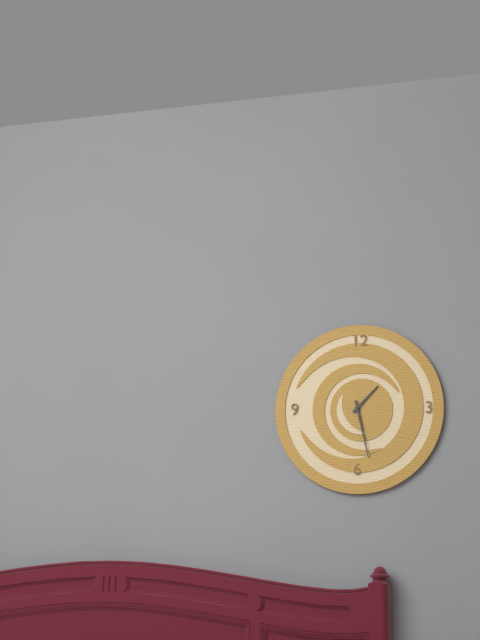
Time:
1.28
